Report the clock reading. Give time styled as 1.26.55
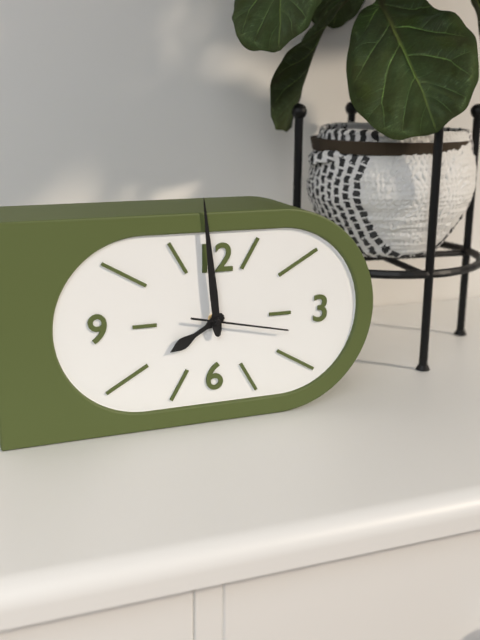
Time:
7.59.17
